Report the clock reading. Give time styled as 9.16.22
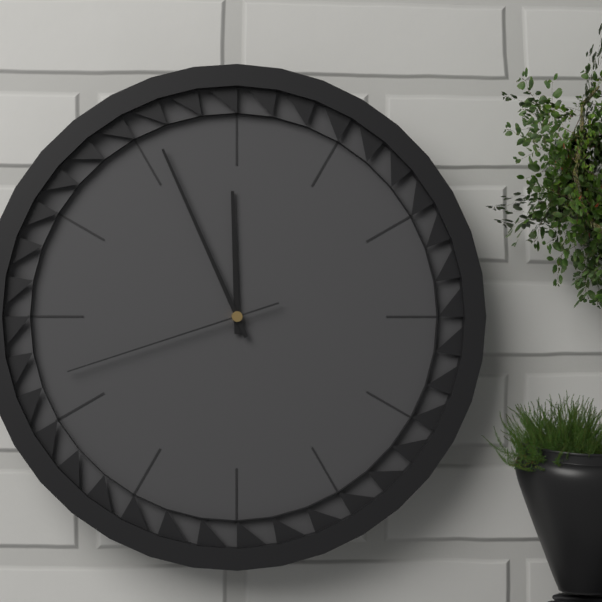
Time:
11.56.42
